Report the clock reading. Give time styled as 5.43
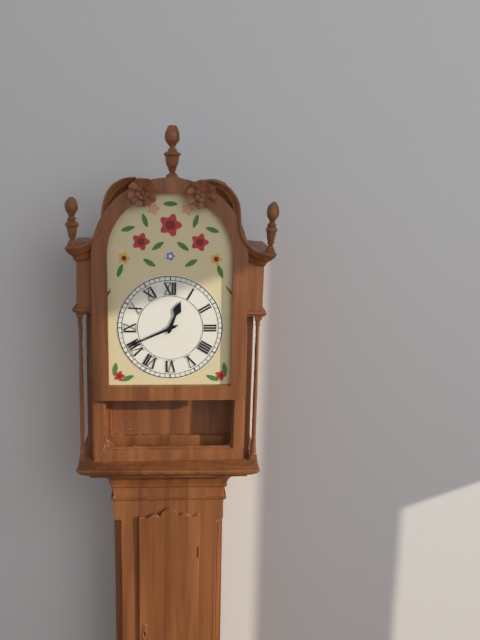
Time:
12.41
